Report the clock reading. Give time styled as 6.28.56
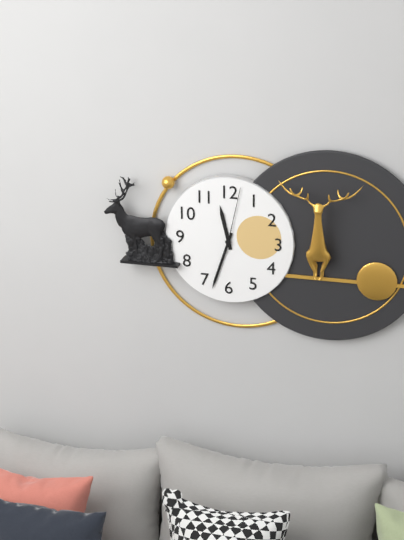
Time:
11.33.02
